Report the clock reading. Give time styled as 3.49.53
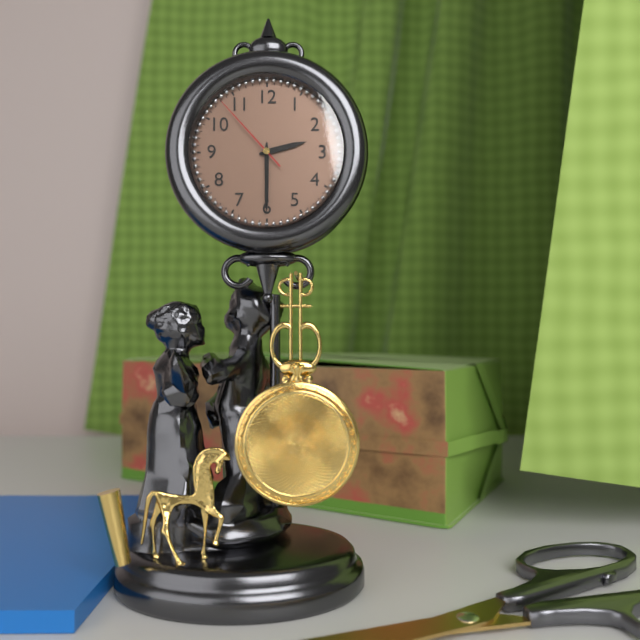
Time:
2.30.53
